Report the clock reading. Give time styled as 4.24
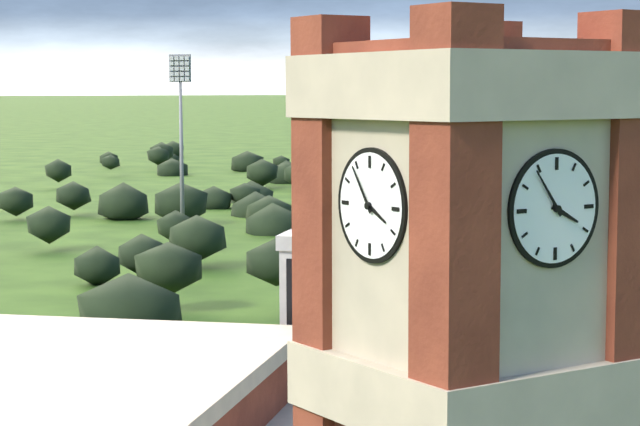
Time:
3.54
